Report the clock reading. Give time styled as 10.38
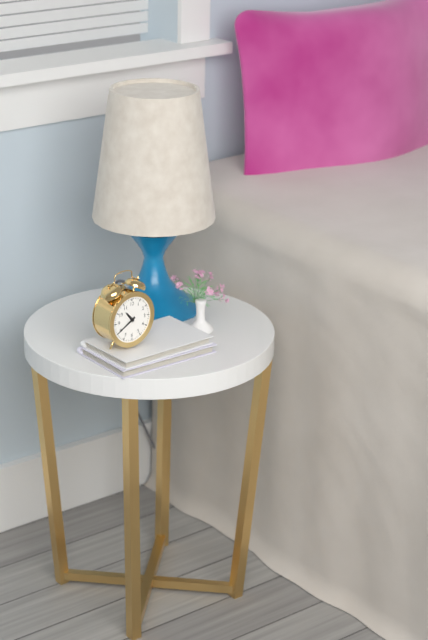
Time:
10.40
